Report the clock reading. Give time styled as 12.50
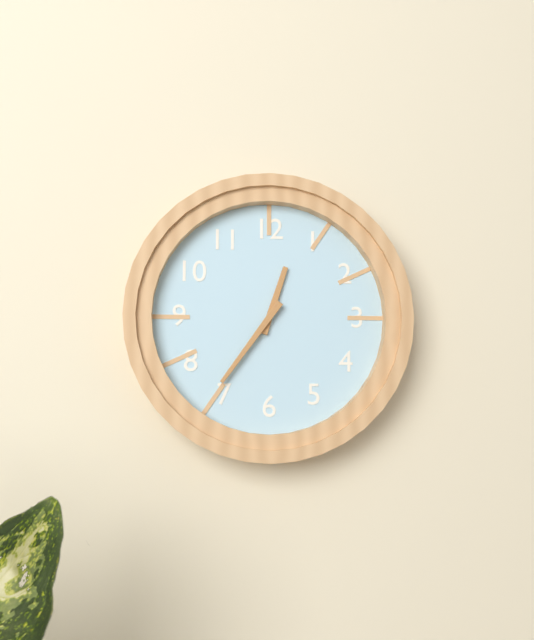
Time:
12.36
